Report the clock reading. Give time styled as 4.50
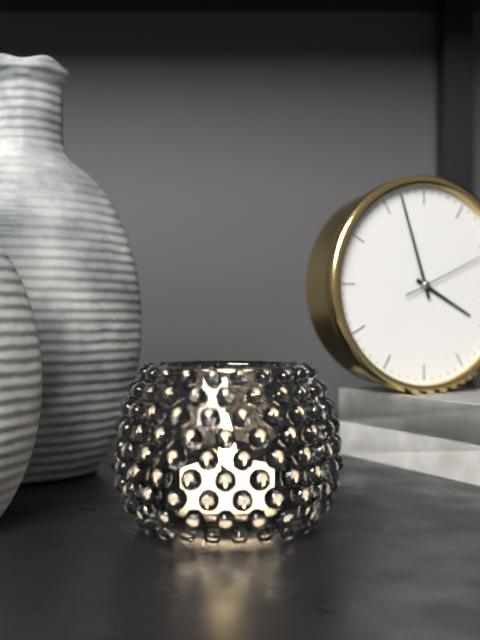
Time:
3.57
